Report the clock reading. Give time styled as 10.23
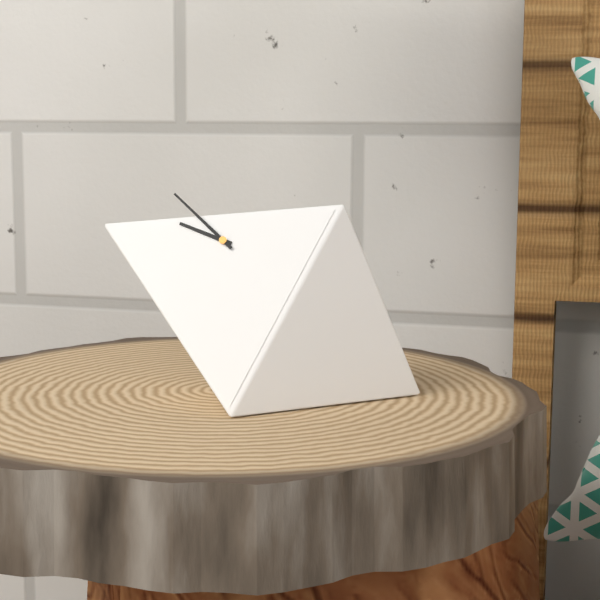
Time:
9.53
